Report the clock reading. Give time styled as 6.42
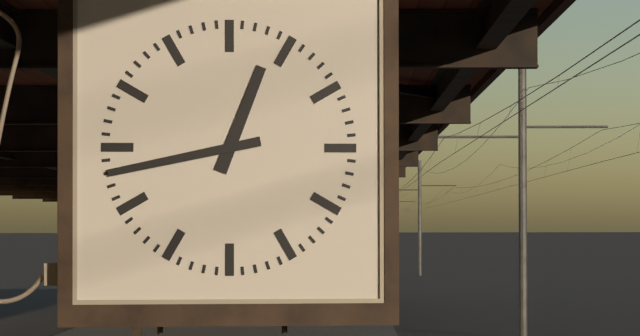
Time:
12.43
